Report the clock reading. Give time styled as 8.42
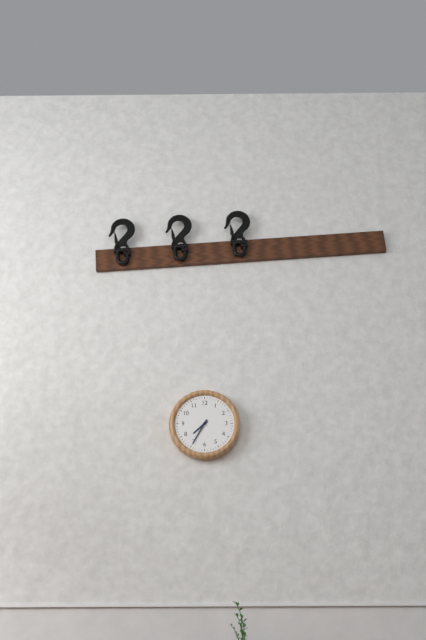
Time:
7.35
